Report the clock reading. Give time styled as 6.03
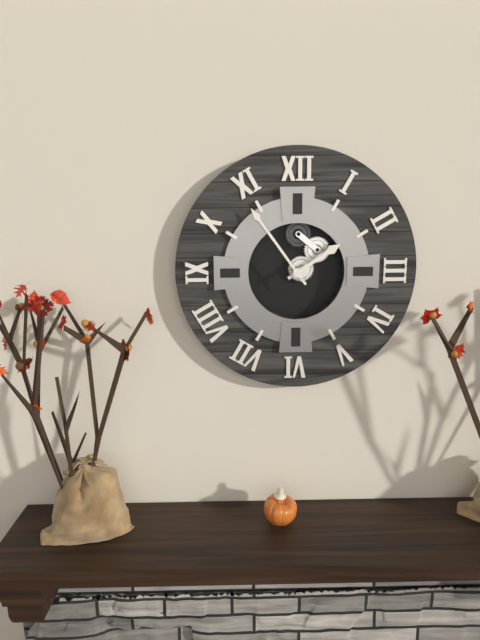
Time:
1.54
